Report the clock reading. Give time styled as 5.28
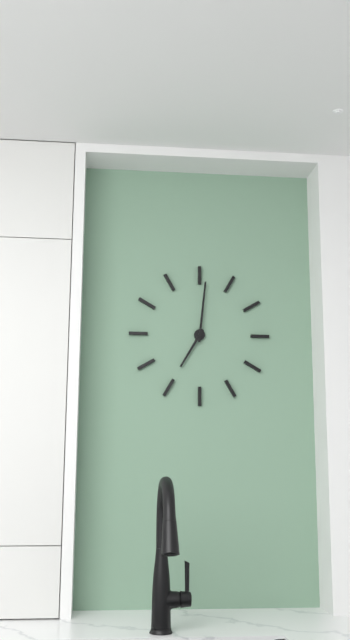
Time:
7.01
